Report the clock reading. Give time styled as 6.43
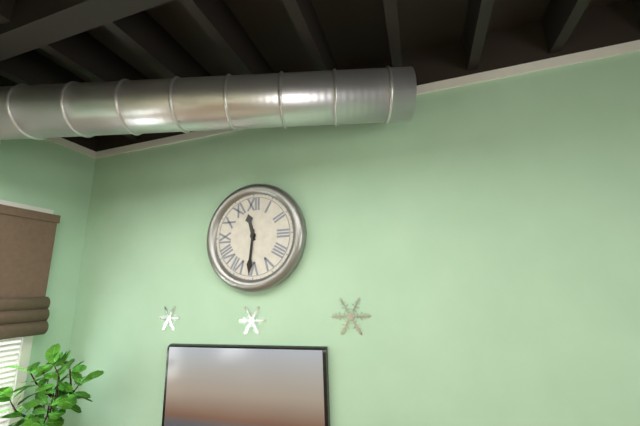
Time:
11.31
